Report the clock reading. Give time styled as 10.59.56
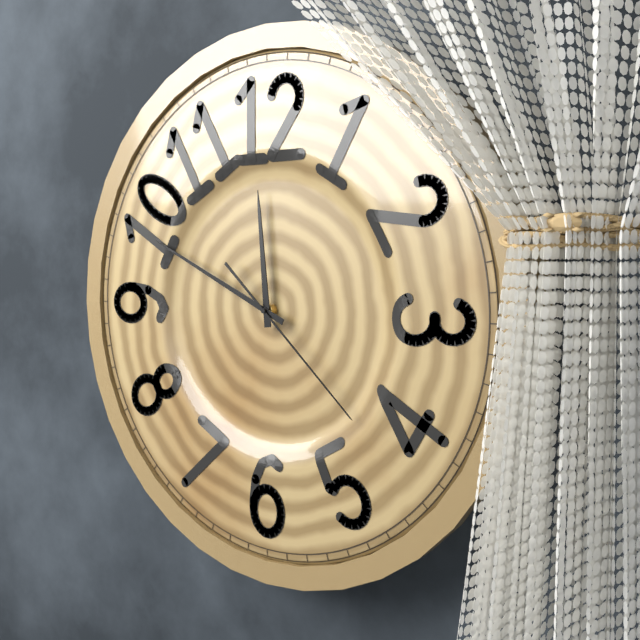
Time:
11.49.22
